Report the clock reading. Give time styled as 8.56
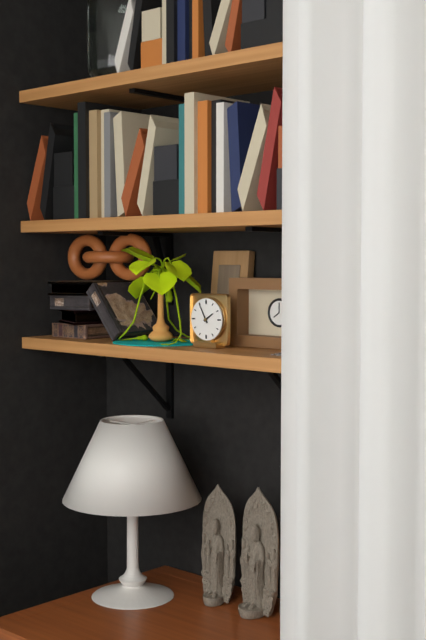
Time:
1.55
